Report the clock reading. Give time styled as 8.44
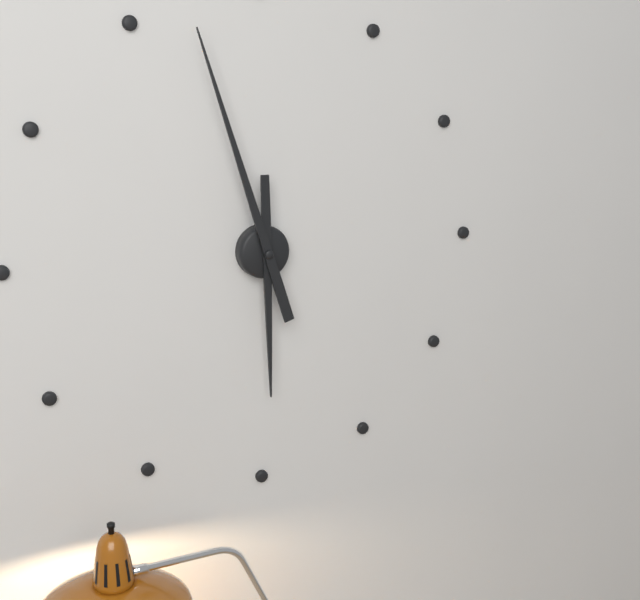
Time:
5.57
